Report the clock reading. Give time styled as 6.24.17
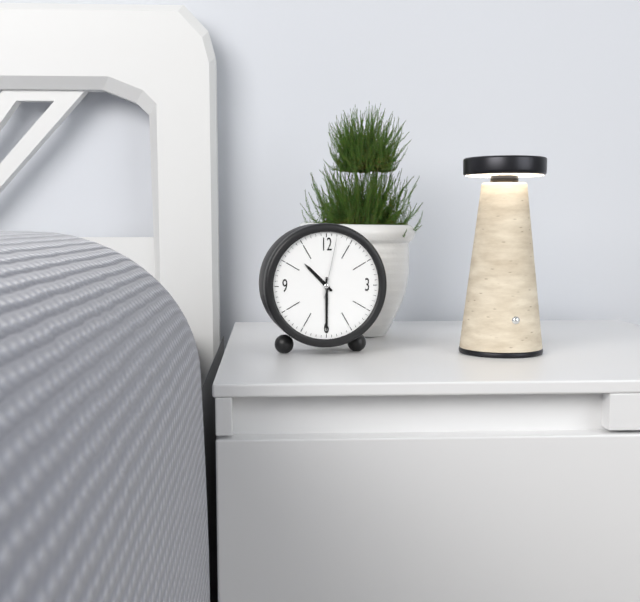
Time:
10.30.02
